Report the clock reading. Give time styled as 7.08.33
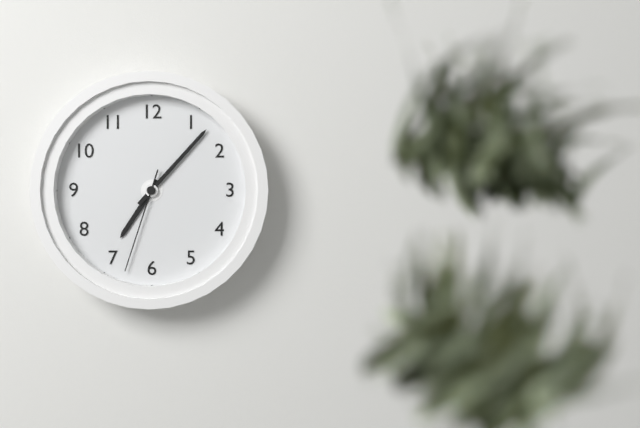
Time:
7.07.33
